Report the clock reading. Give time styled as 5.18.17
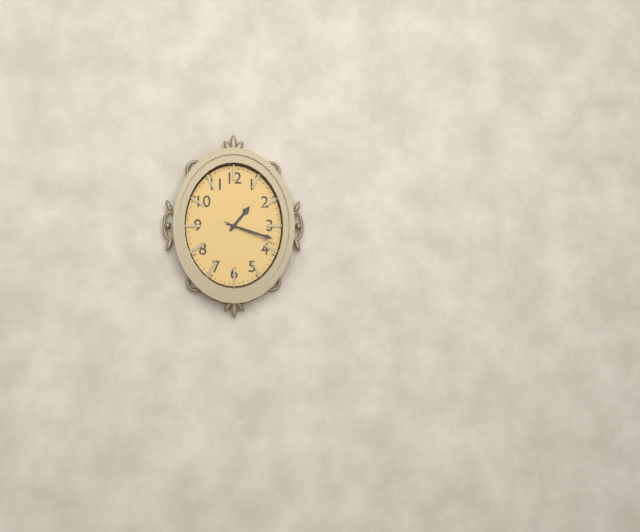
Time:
1.18.19
